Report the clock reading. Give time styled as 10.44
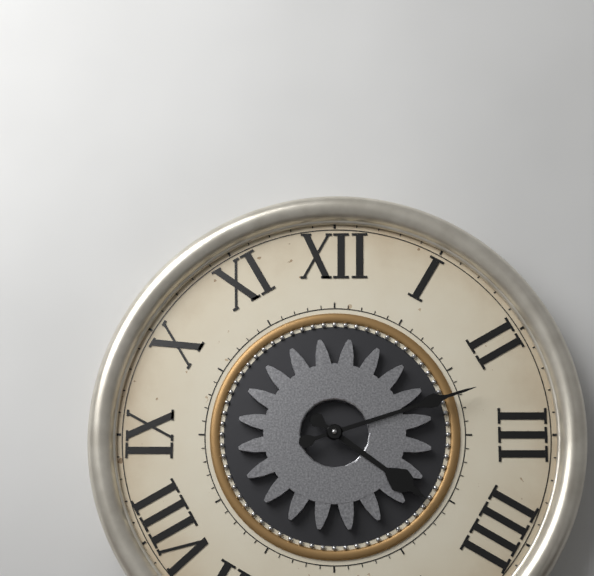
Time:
4.12
